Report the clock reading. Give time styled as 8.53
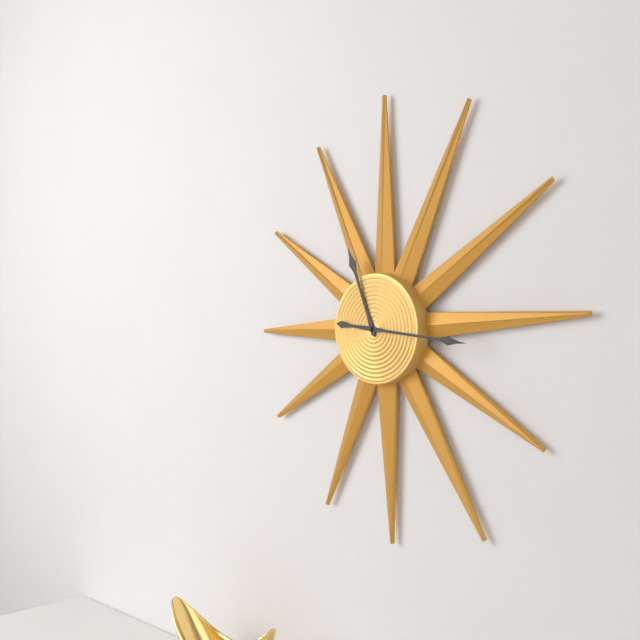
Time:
11.16
